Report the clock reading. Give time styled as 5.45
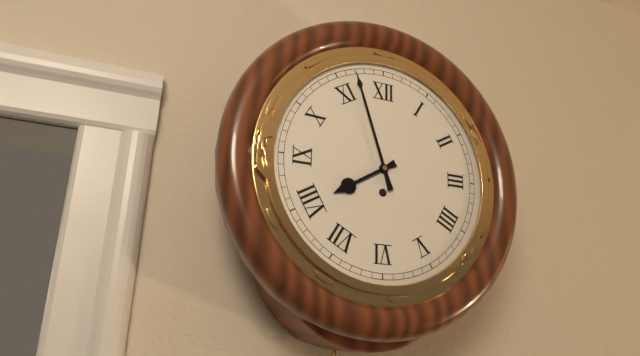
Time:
7.57
